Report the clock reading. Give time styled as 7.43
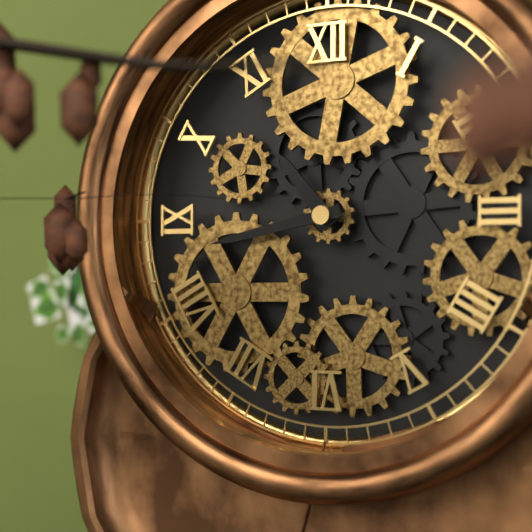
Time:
10.43
